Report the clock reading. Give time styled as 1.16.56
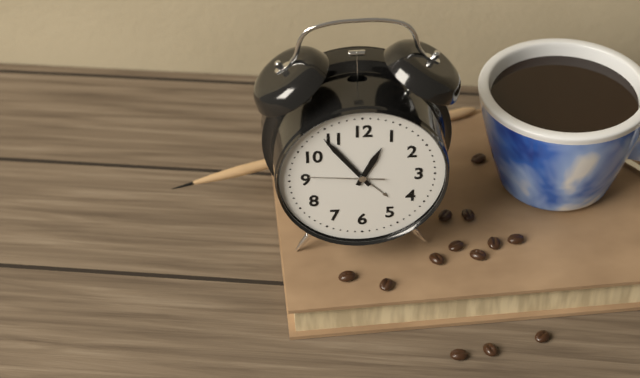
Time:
12.54.46
